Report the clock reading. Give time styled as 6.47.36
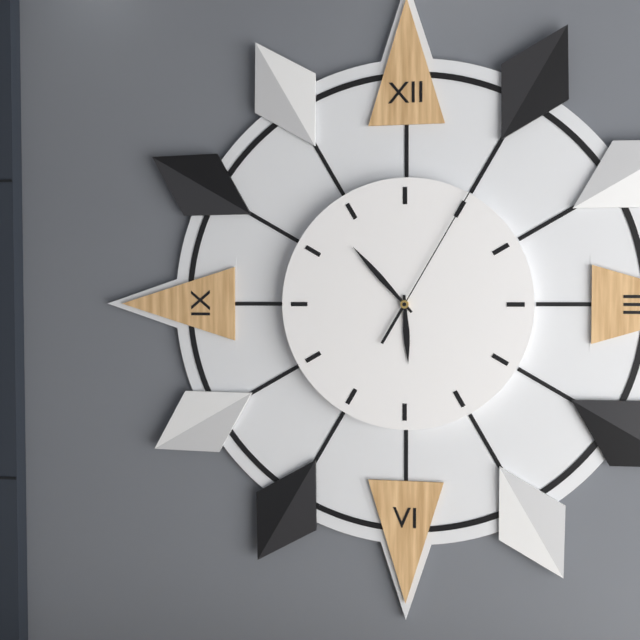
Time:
5.53.05
